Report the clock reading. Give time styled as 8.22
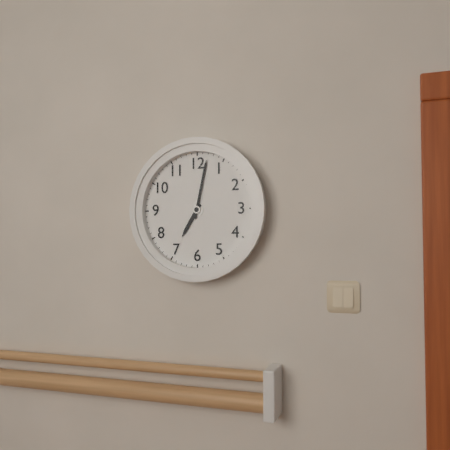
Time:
7.02
